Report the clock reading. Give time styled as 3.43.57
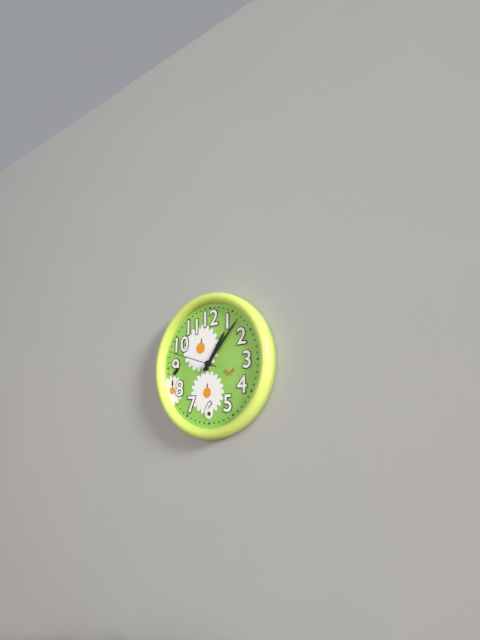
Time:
1.07.48
